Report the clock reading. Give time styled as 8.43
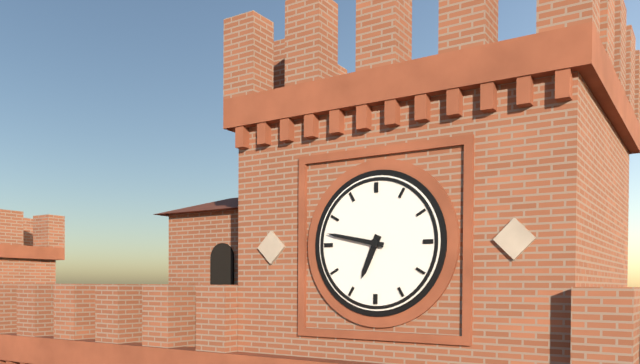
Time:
6.47
